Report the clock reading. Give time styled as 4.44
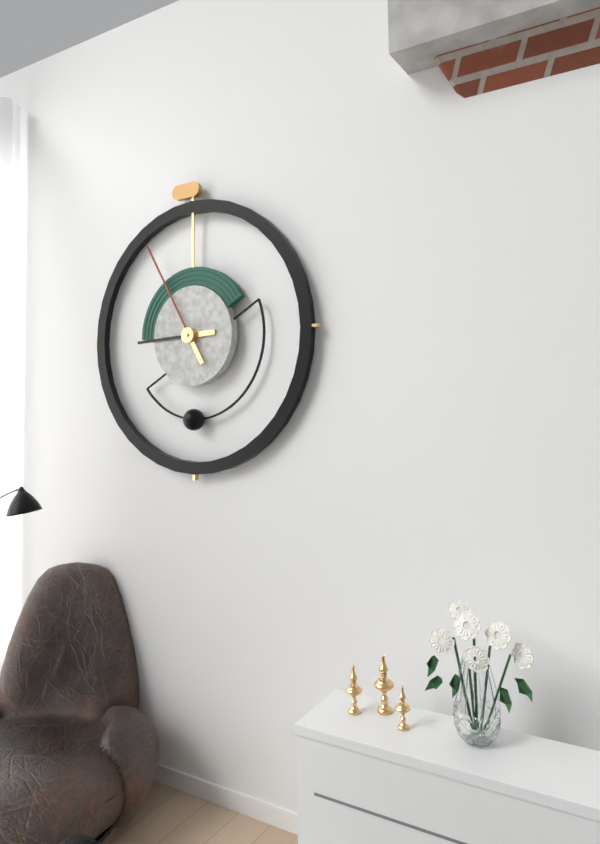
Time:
8.55
